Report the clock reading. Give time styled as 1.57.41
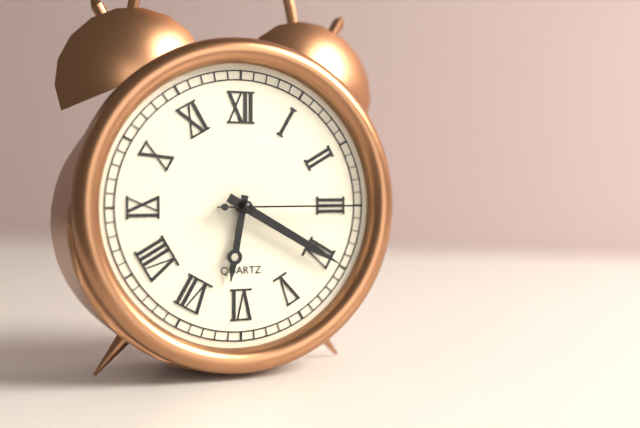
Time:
6.20.15
